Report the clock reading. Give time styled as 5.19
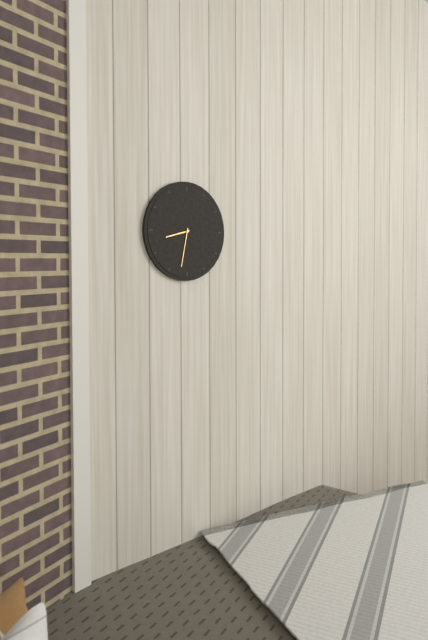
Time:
8.32
